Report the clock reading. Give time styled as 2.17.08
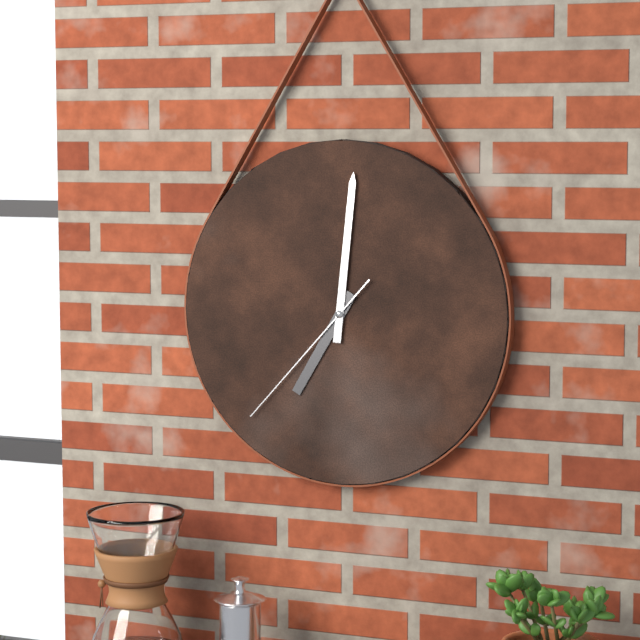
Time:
7.01.37
